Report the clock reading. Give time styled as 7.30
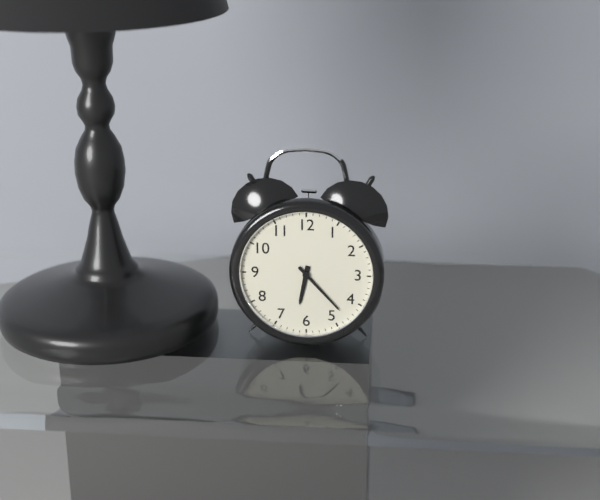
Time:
6.23
